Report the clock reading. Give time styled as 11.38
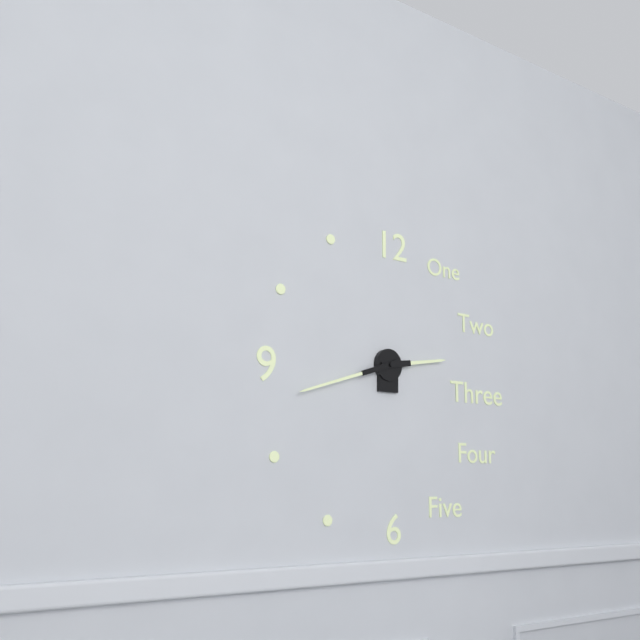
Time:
2.42
